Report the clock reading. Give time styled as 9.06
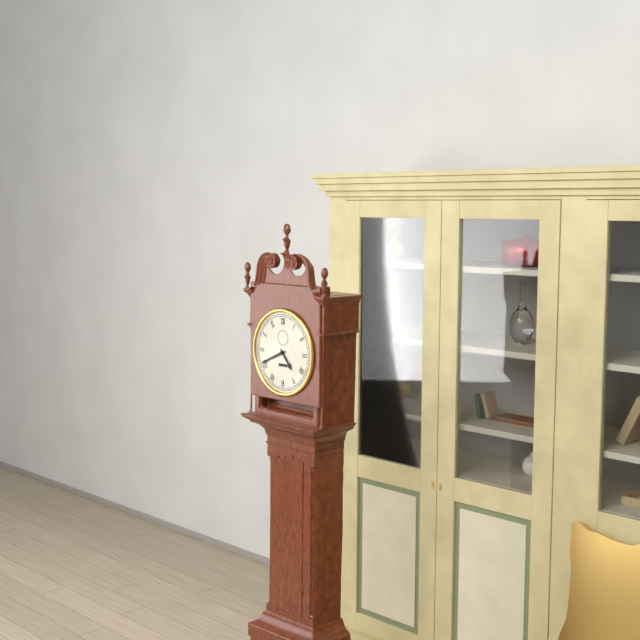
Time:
4.41
